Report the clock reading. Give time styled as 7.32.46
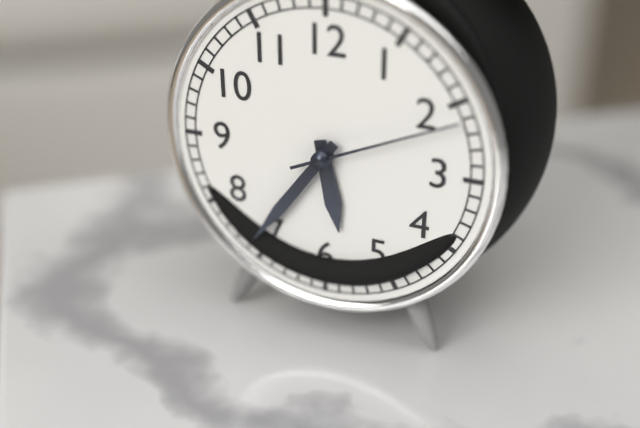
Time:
5.36.11
